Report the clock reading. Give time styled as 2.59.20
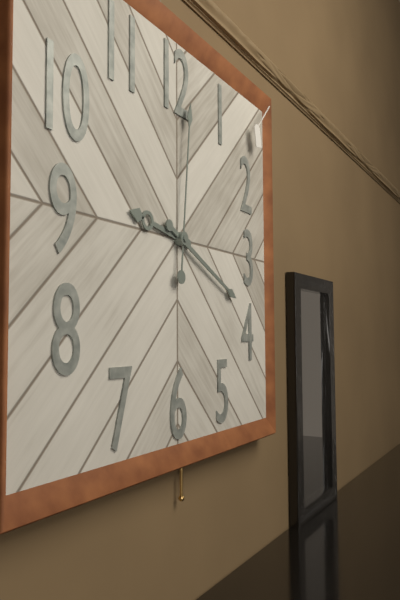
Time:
9.19.01
